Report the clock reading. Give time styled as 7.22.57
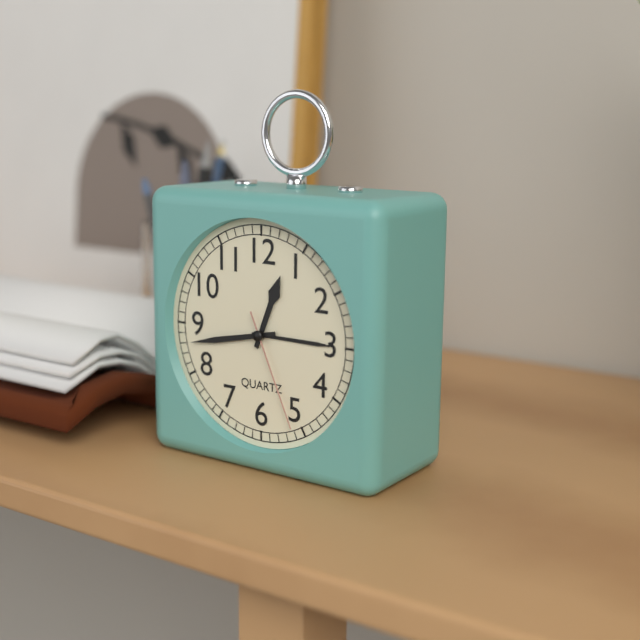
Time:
12.43.26
